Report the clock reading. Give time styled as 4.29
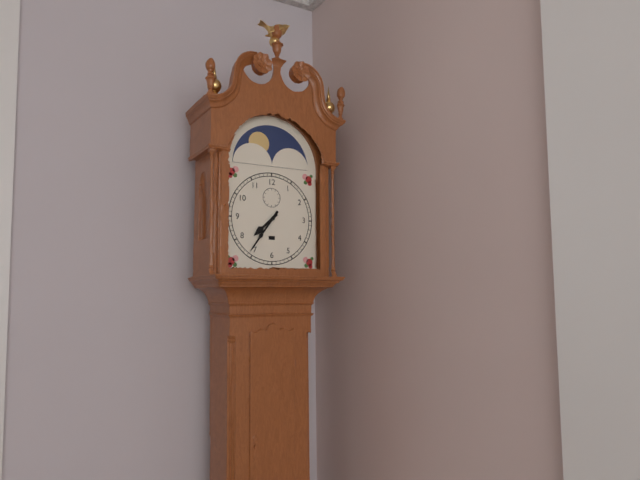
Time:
7.36
